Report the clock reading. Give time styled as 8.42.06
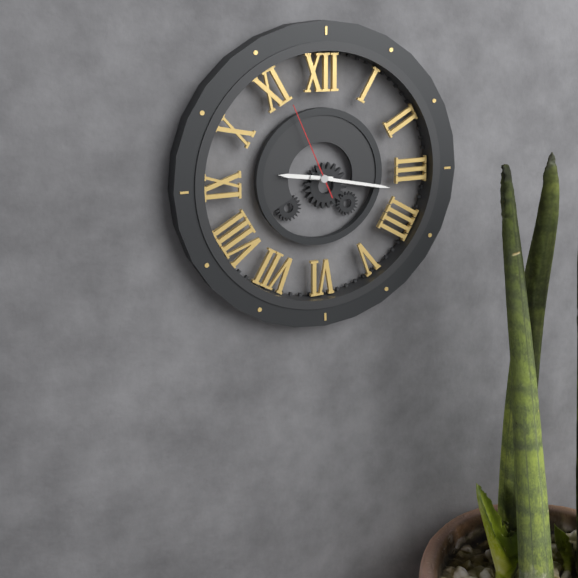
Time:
9.17.56
